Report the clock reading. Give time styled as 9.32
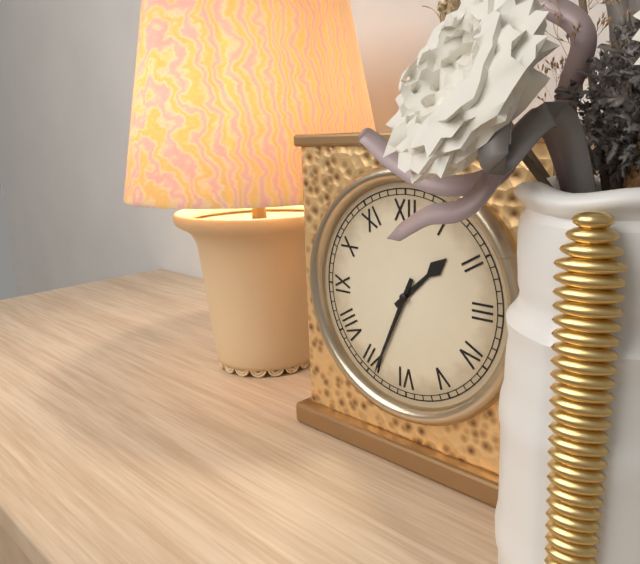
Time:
1.34
